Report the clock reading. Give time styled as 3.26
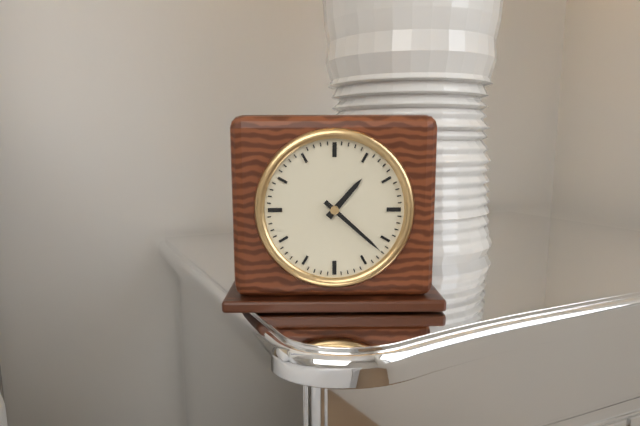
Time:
1.22
